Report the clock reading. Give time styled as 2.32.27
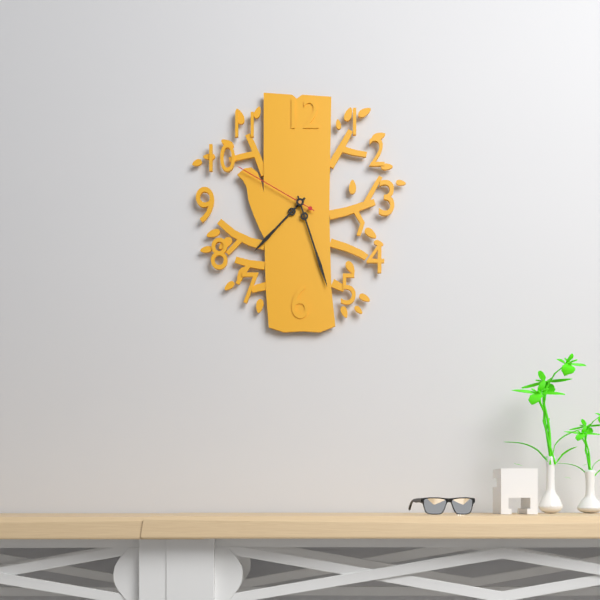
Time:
7.27.50
